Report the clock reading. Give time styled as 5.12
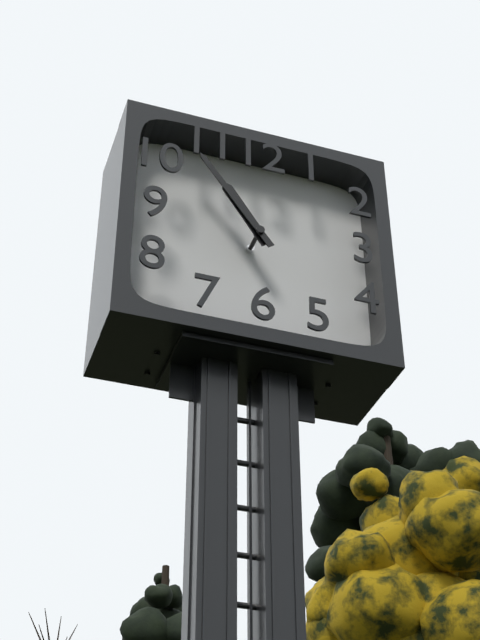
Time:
10.54
